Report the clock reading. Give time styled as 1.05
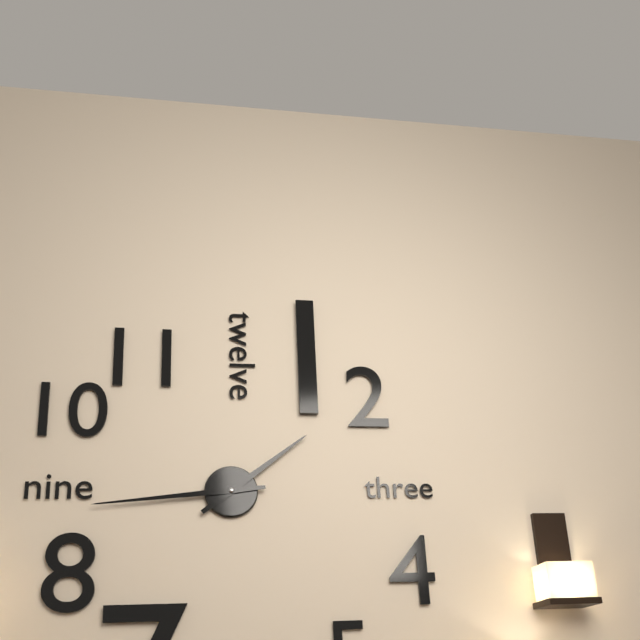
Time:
1.44
